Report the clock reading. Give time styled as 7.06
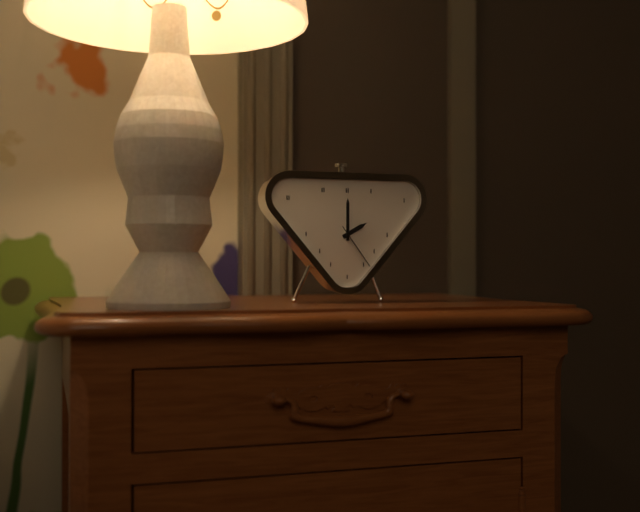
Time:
2.00
